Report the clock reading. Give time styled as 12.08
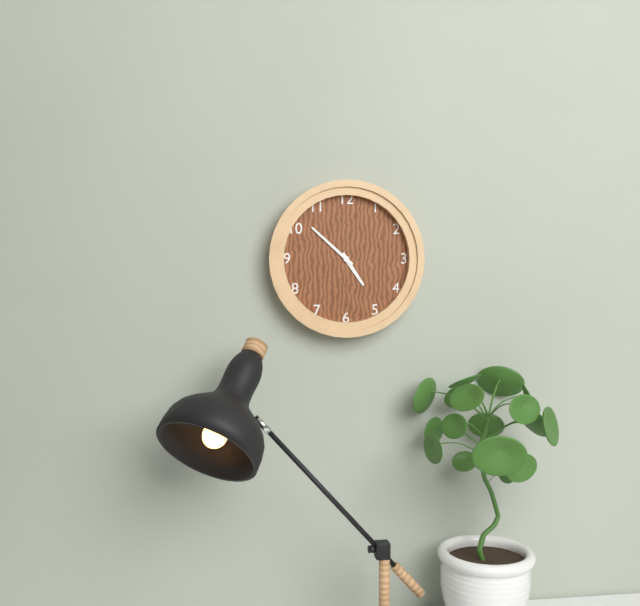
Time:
4.52
